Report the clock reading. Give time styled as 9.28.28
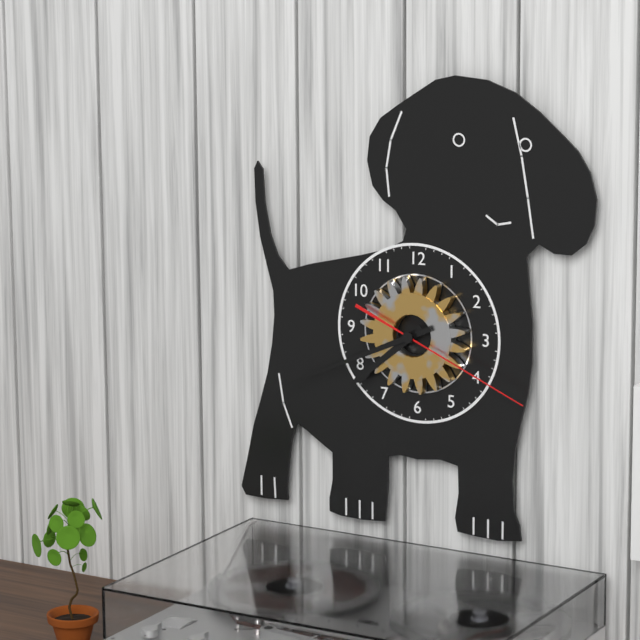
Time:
7.41.19
